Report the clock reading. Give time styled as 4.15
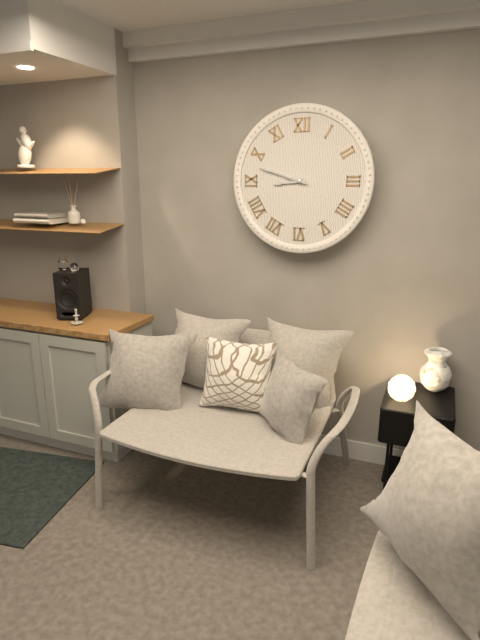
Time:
8.48
